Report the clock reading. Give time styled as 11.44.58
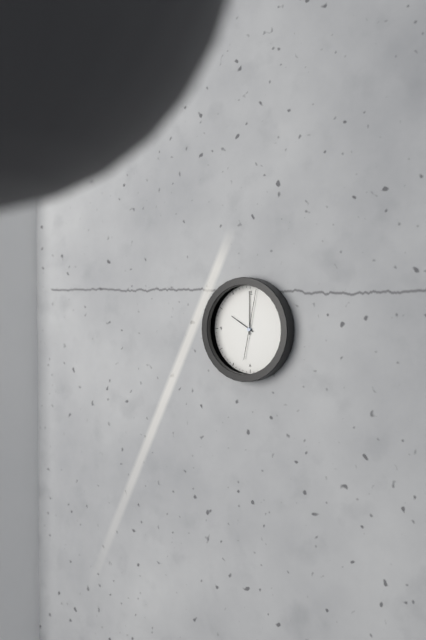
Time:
10.00.02
